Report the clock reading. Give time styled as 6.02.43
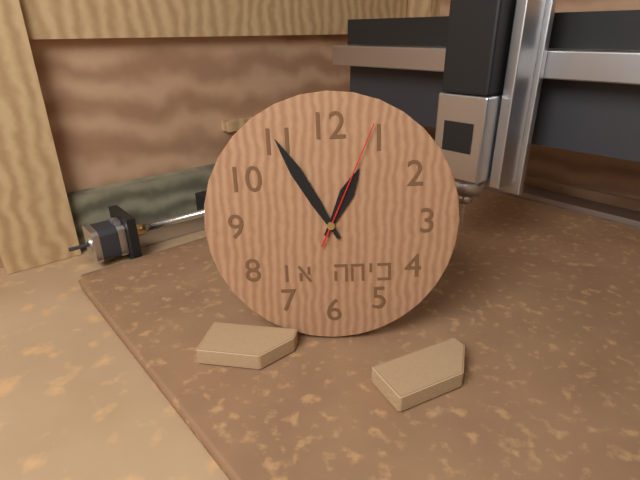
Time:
12.55.04
